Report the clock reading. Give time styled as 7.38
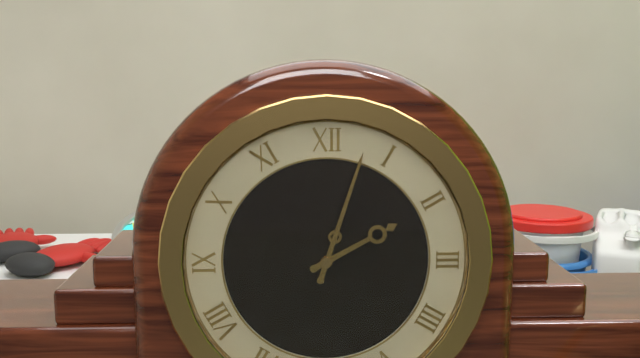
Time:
2.03
